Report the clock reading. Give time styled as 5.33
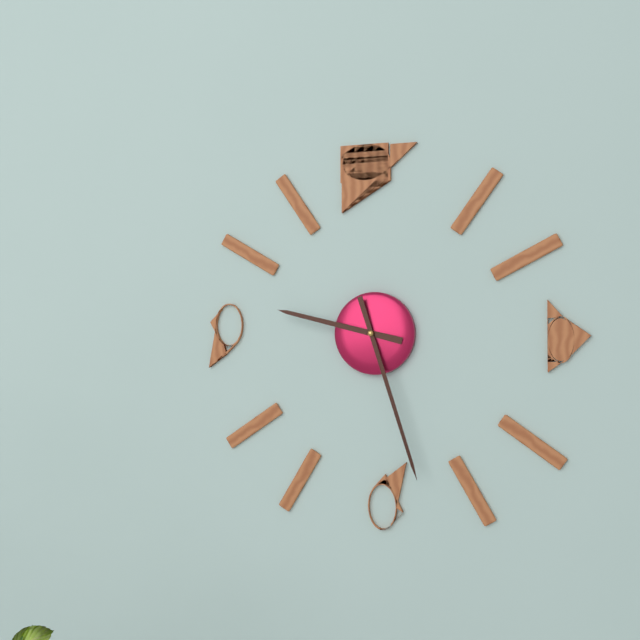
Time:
9.27
